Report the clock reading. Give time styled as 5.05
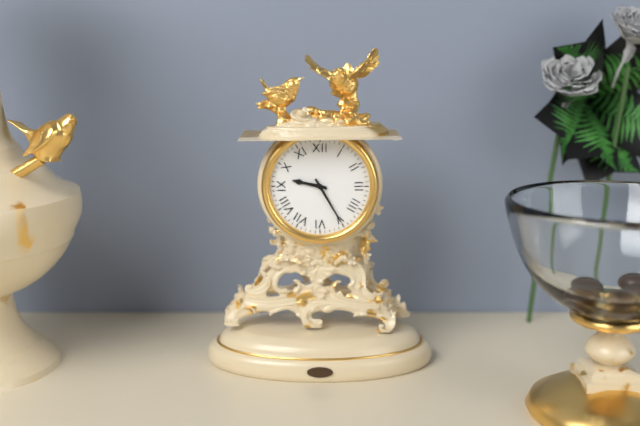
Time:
9.25
